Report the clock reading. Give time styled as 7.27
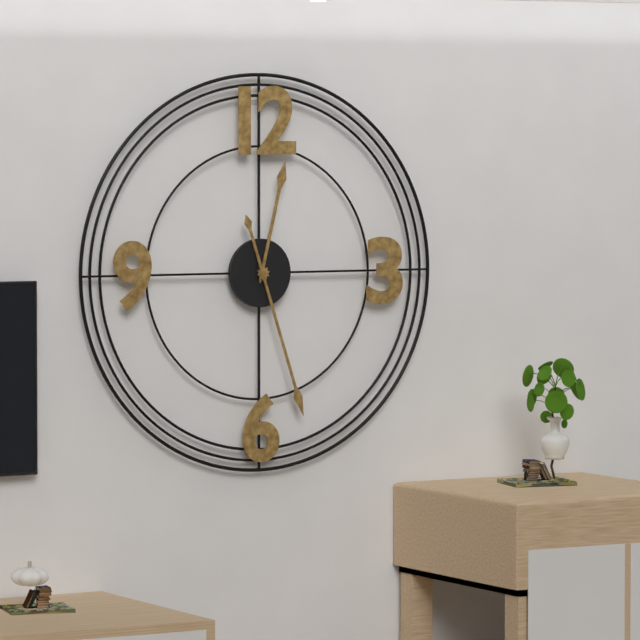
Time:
12.27
